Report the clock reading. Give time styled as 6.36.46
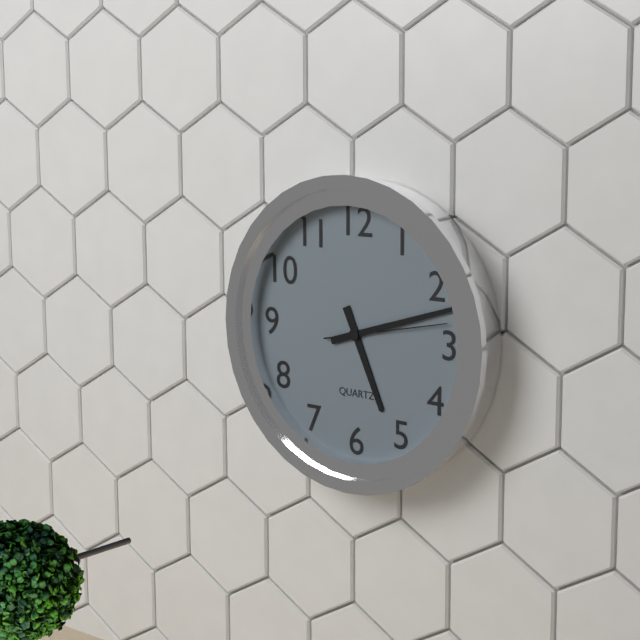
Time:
5.12.13
